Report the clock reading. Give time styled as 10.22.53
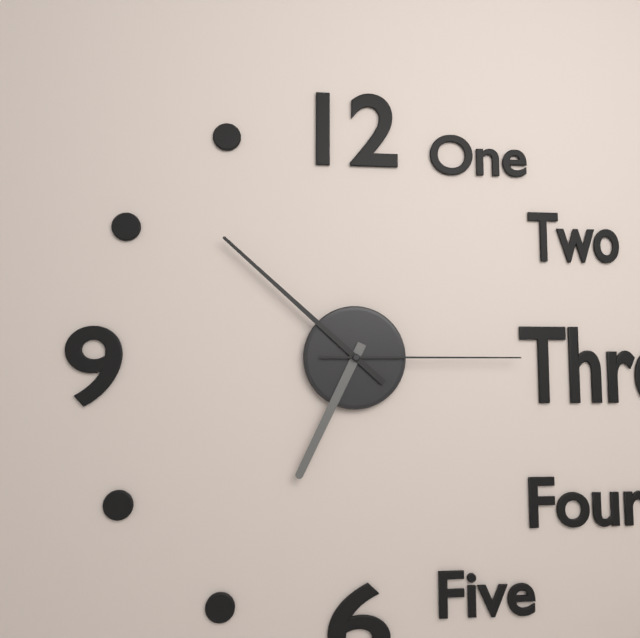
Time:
6.52.15
